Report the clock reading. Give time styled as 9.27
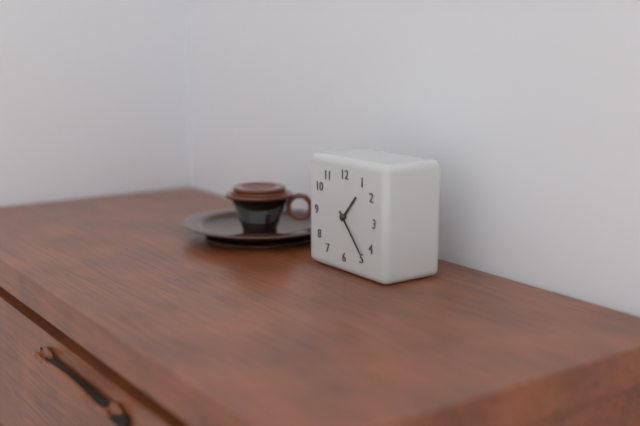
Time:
1.23
